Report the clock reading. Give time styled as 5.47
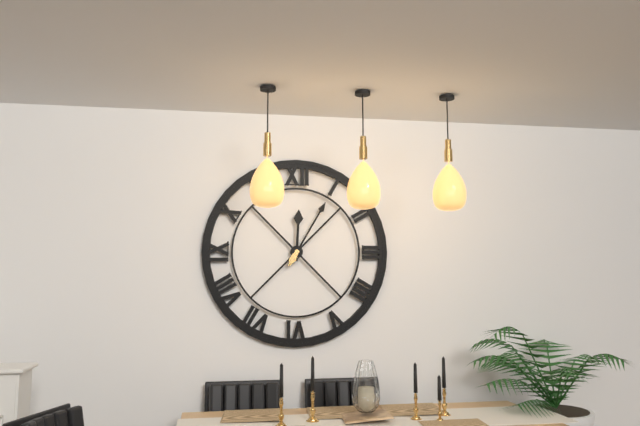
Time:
12.05
